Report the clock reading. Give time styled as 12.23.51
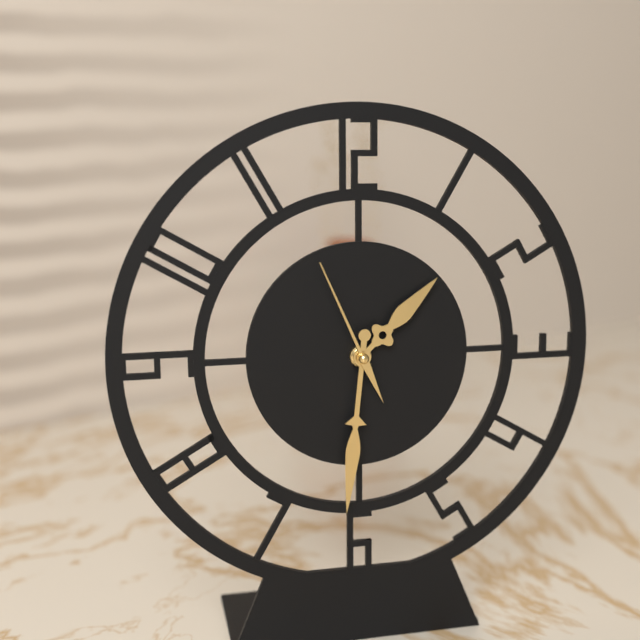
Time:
1.31.56
